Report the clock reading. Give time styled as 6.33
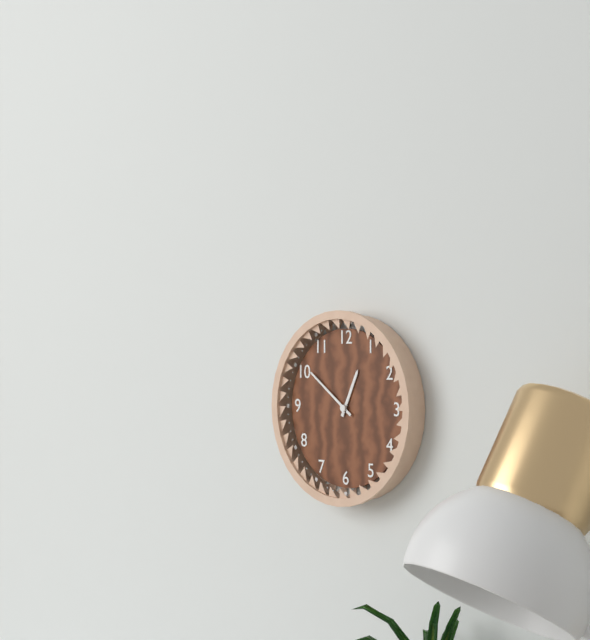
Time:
12.51
